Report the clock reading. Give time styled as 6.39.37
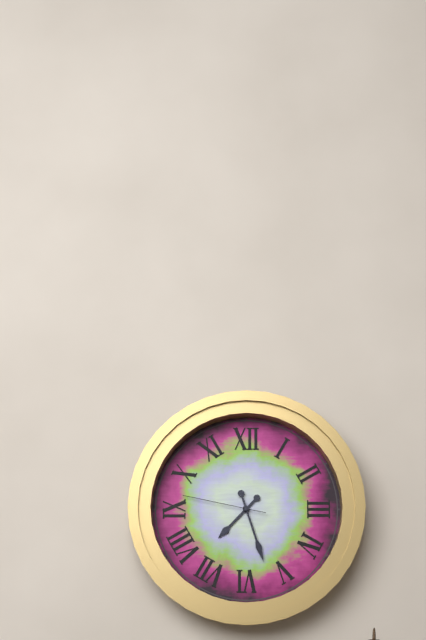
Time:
7.27.47
